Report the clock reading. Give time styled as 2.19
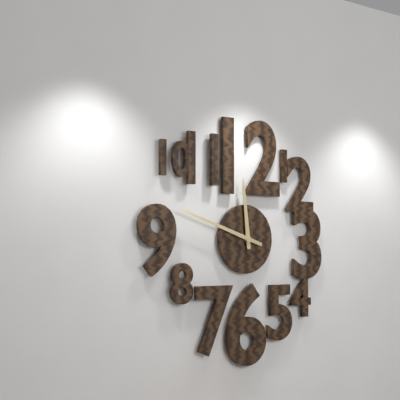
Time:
11.48
